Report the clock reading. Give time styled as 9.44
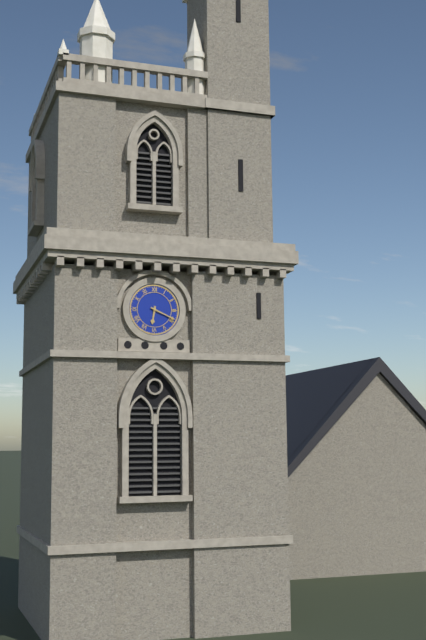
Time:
6.19
